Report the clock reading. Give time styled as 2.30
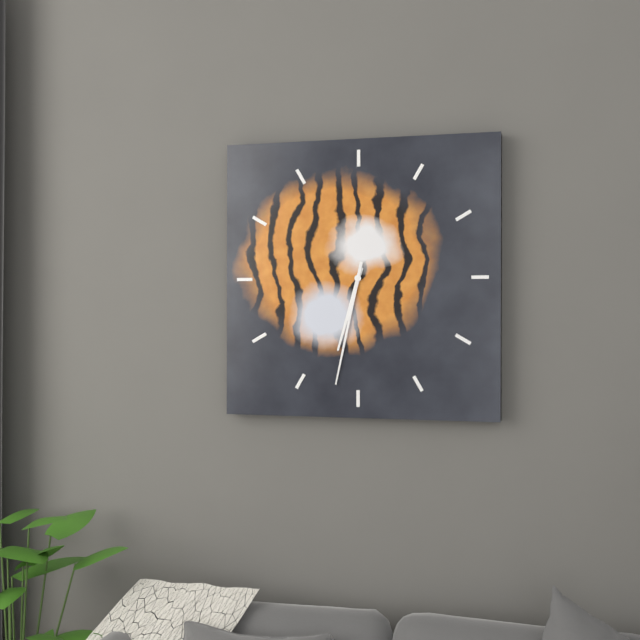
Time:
6.32
